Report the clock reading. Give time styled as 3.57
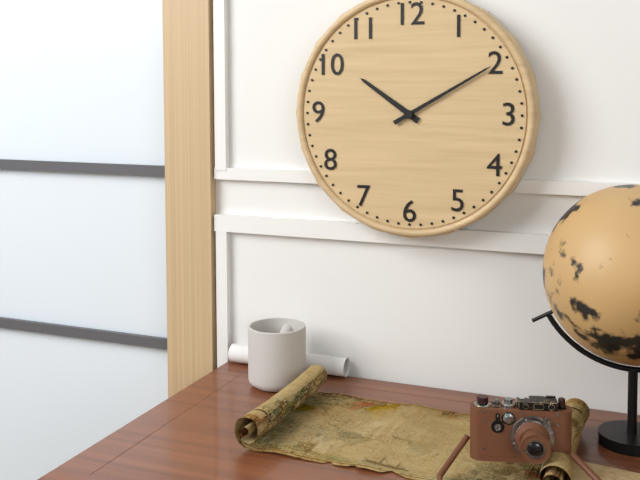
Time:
10.10
